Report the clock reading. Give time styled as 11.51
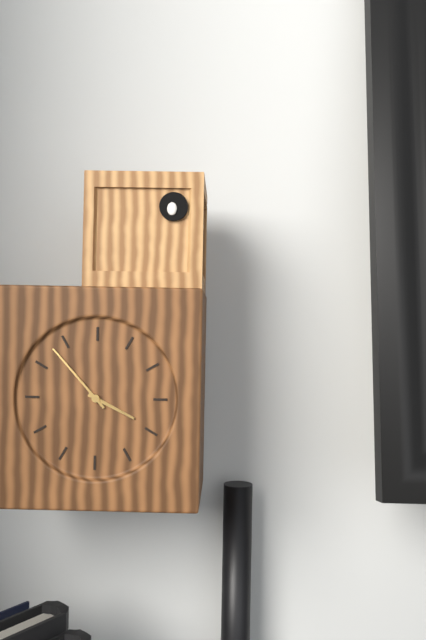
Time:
3.53
